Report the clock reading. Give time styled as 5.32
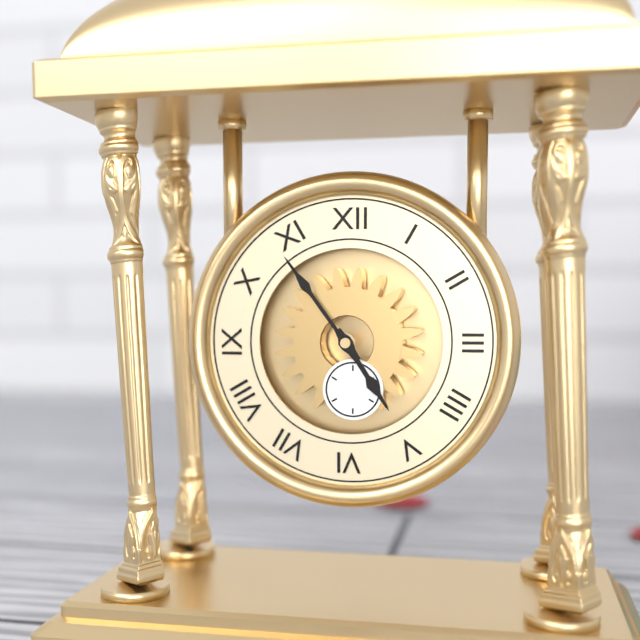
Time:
4.54
